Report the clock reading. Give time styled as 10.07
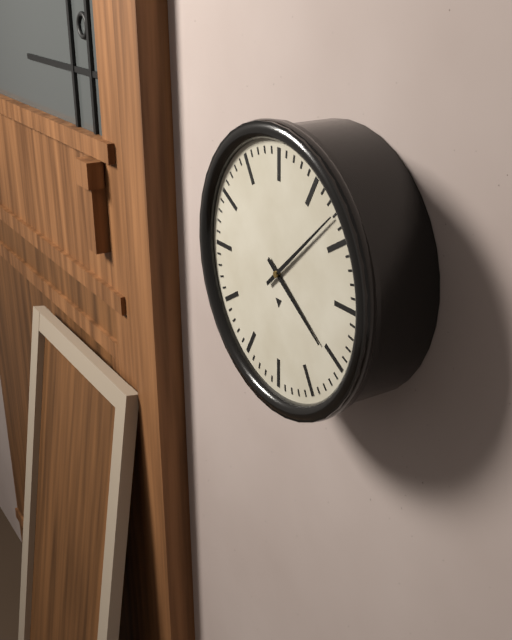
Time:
4.08
